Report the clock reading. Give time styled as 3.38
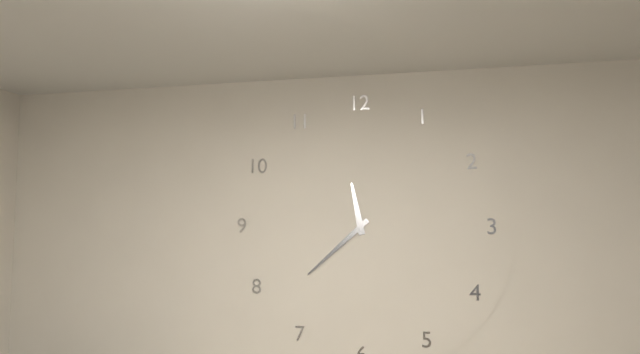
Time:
11.38
